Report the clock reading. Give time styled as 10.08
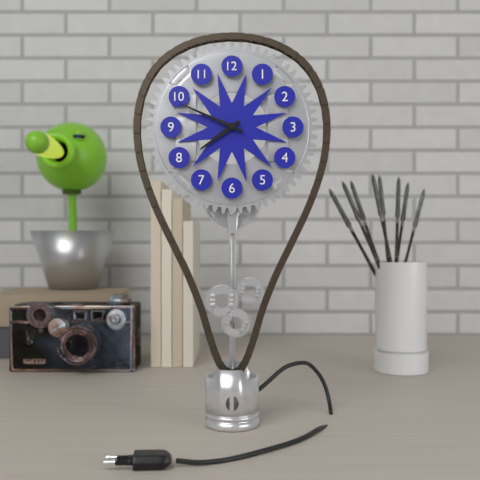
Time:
7.49
